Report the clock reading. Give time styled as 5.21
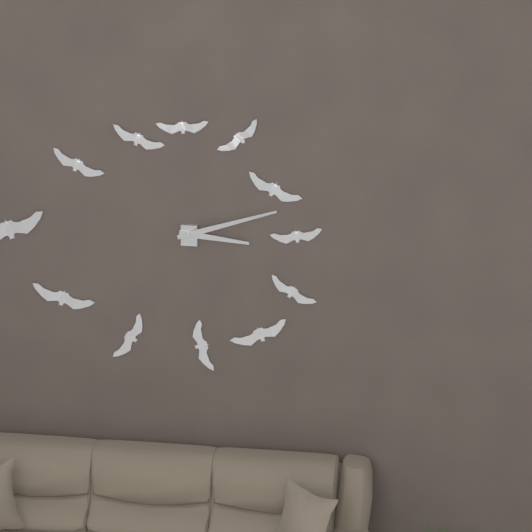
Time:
3.12
